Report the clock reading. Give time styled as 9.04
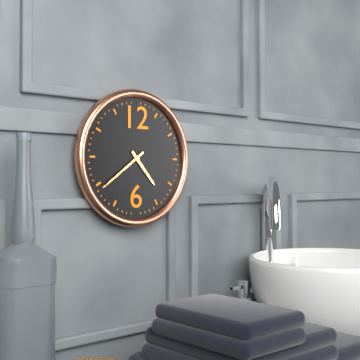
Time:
4.39
